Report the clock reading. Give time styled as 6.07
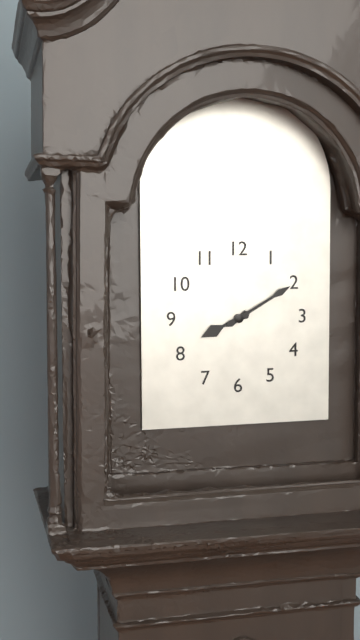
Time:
8.10
